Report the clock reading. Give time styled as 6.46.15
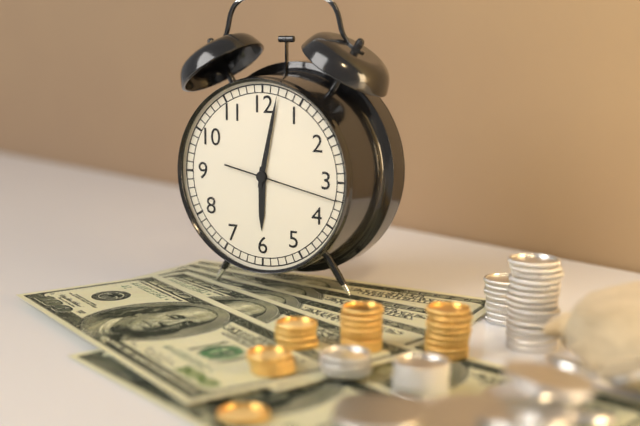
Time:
6.02.17
